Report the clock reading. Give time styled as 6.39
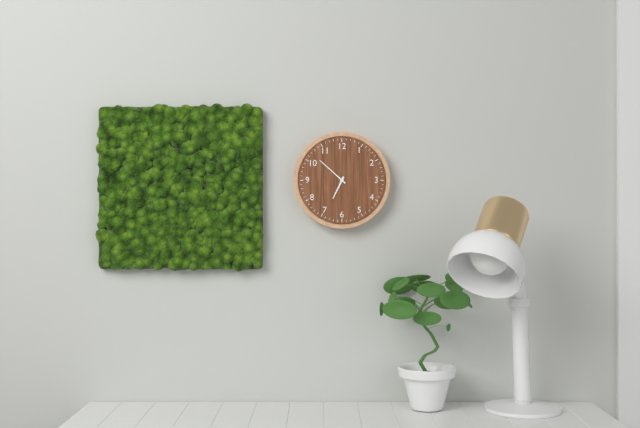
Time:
6.52
